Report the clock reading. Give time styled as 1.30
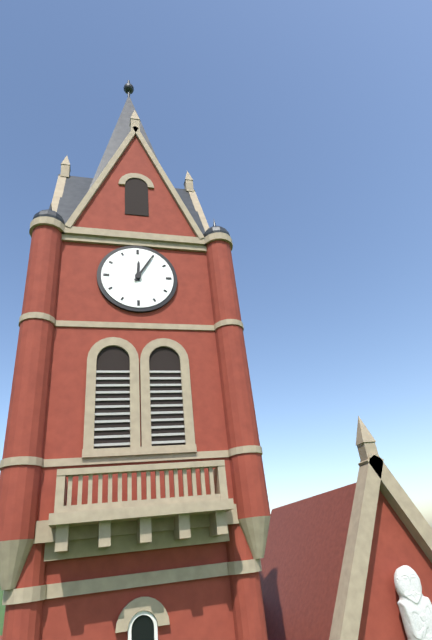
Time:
12.05
